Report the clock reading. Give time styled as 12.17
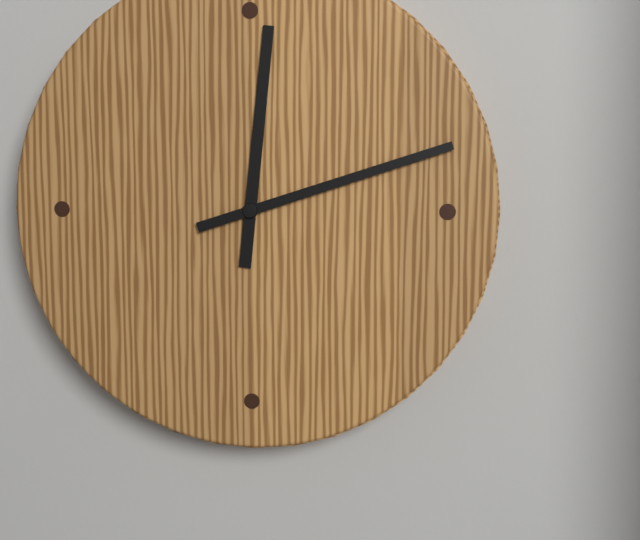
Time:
12.12
